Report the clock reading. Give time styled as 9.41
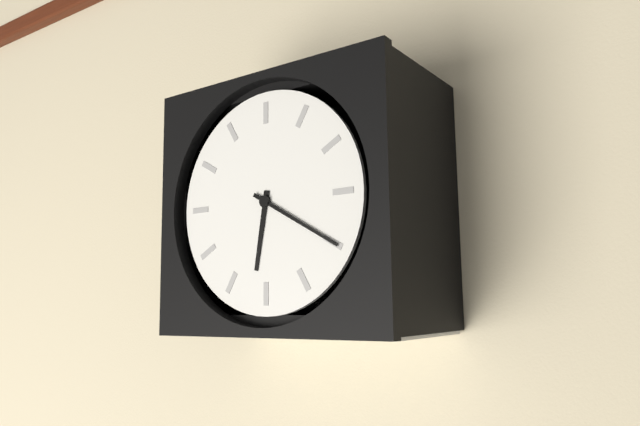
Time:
6.20
